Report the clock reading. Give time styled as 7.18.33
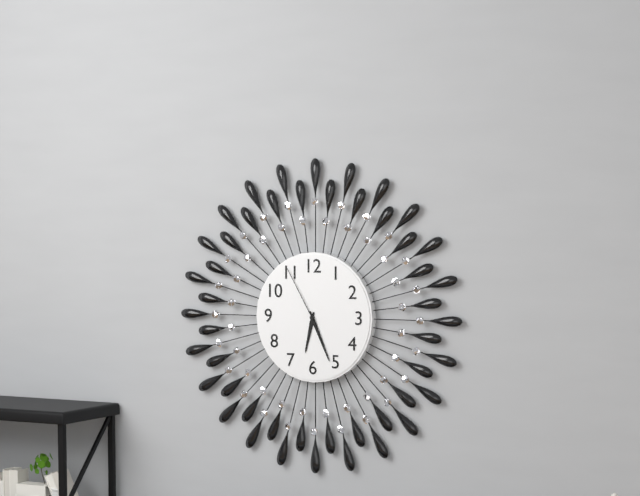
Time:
6.26.55
